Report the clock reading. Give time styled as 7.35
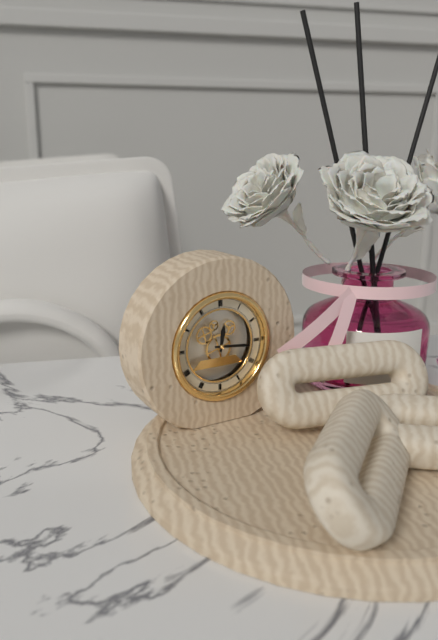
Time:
12.16
